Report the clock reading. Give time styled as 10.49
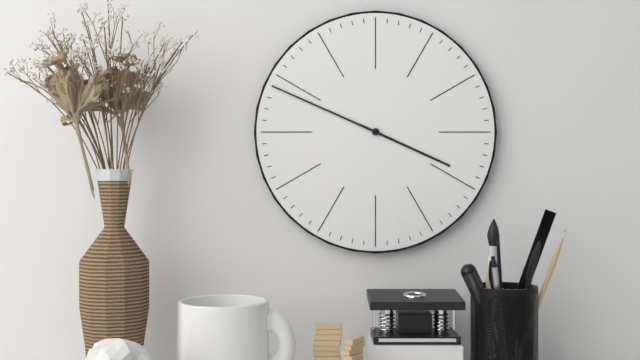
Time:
3.49
